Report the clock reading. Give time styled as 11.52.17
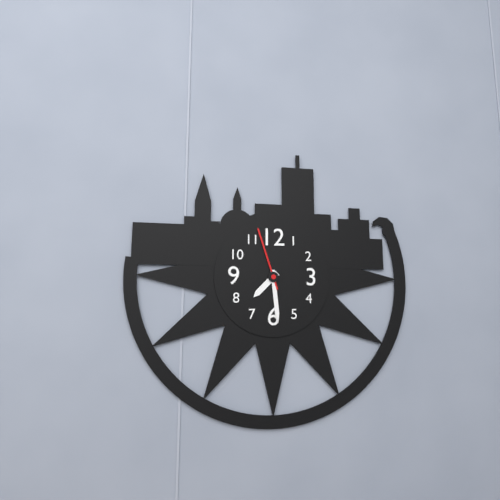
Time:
7.29.57
